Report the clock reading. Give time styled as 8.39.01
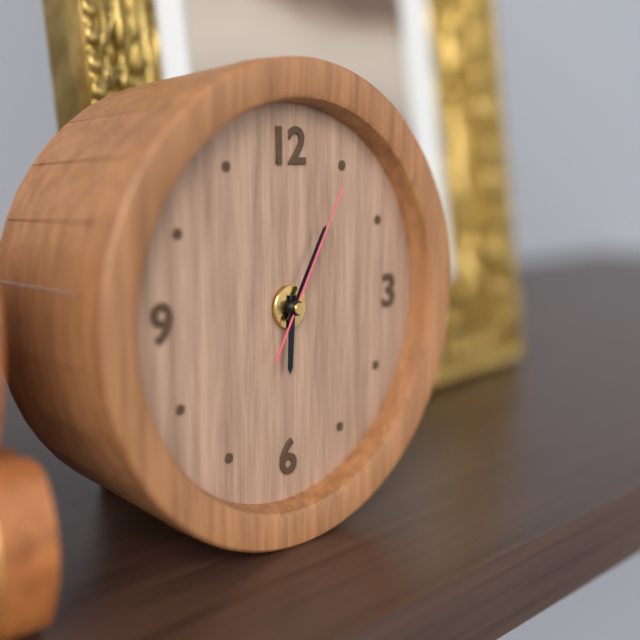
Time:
6.05.05
